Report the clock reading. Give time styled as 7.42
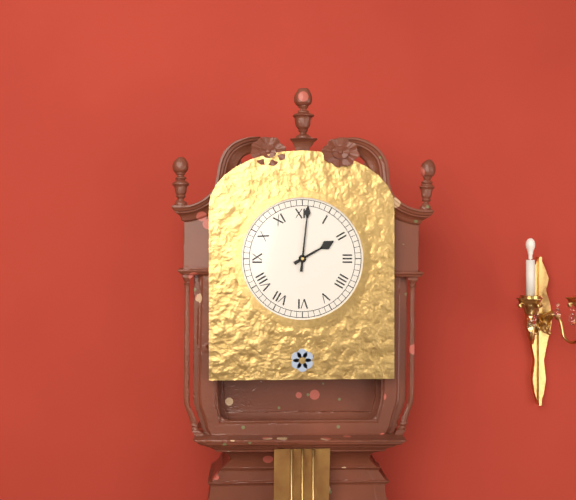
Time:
2.01
